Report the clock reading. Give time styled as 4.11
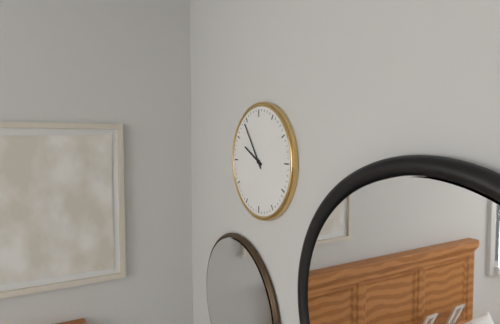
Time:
9.54
